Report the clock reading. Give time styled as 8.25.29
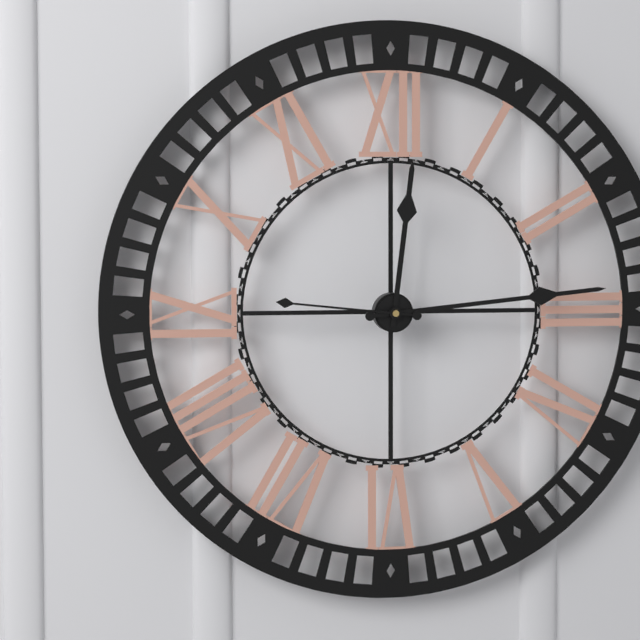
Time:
12.14.46
